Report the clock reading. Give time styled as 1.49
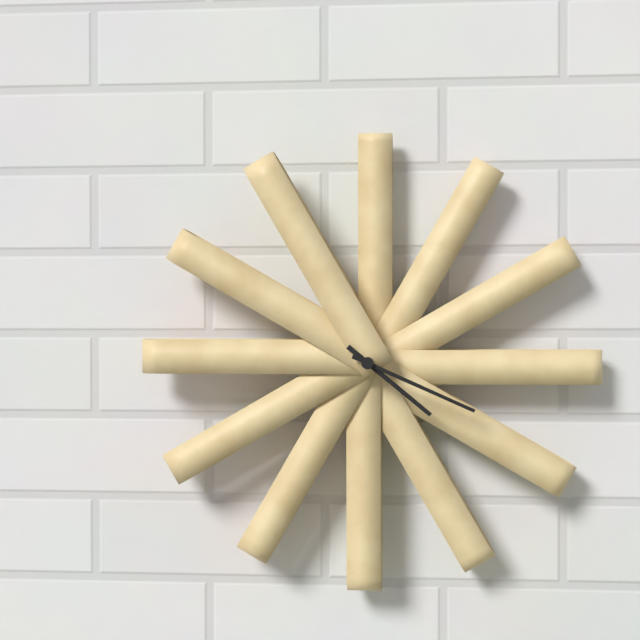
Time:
4.19
